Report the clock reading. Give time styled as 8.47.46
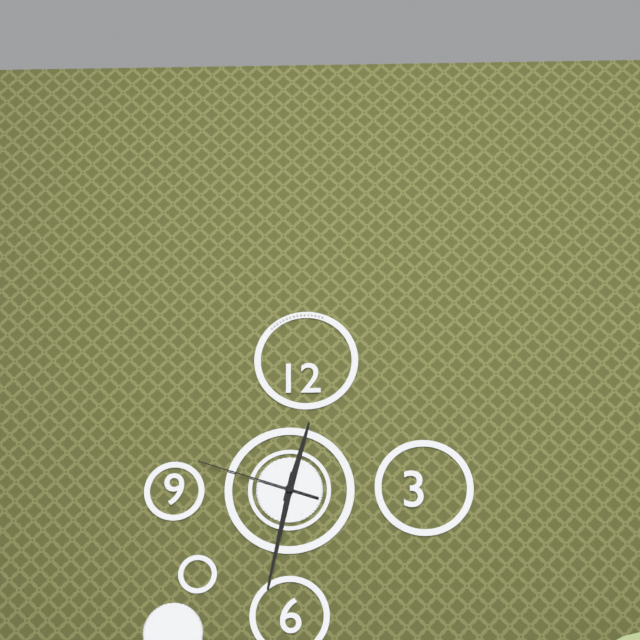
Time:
12.32.48
